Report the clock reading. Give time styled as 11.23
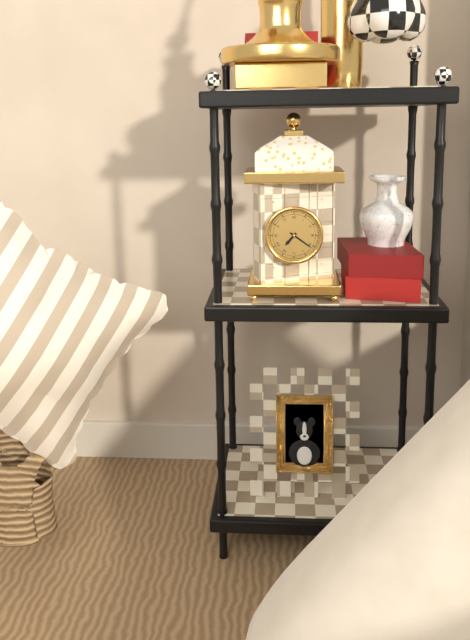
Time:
7.21
